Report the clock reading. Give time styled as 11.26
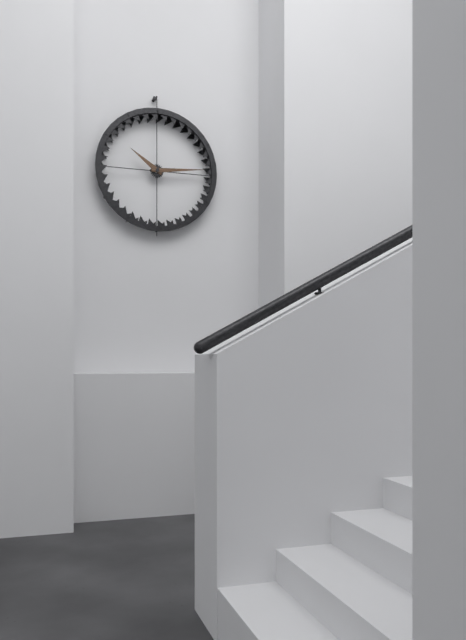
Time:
10.14
